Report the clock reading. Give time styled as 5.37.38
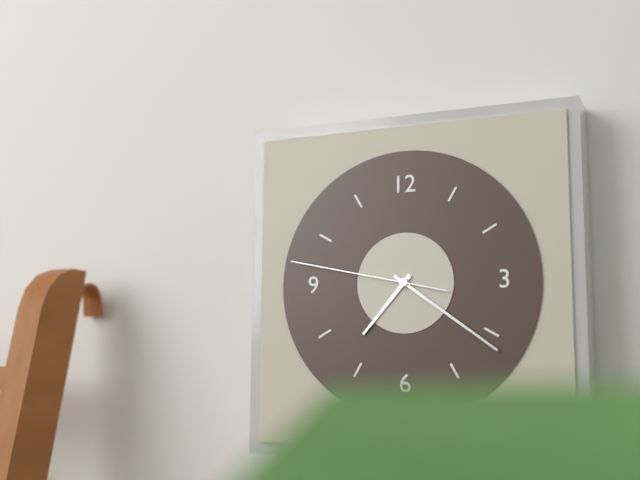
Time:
7.21.47
